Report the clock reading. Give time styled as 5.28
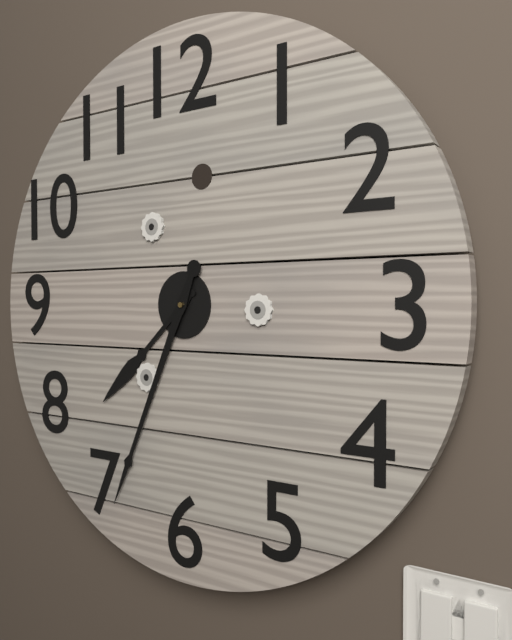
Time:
7.34
